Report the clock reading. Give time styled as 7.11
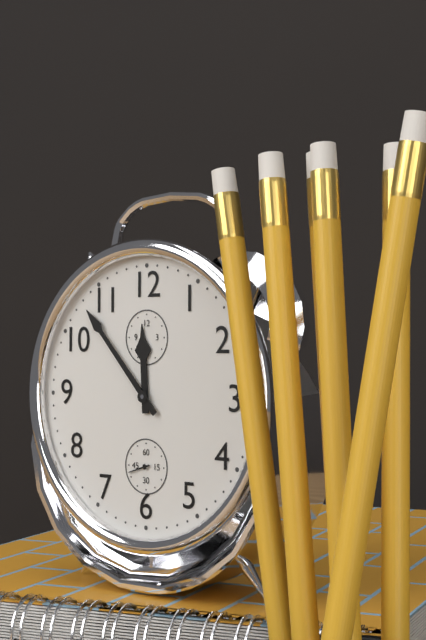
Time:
11.53
